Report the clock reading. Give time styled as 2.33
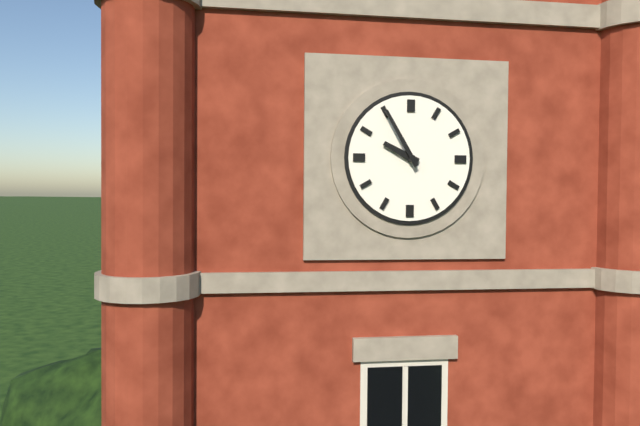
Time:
9.55
